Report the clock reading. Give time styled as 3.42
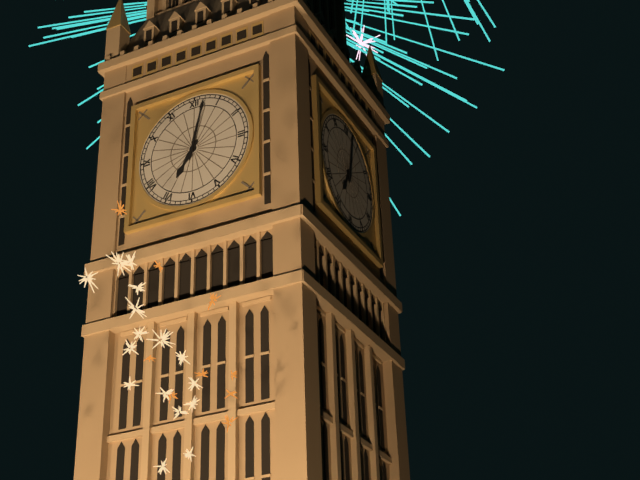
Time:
7.02
